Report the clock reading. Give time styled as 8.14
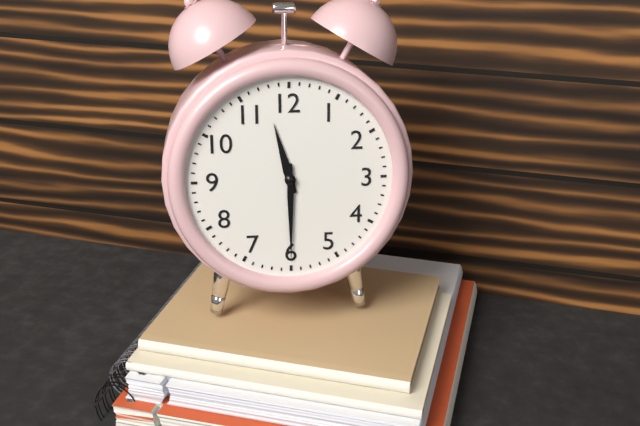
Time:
11.30
